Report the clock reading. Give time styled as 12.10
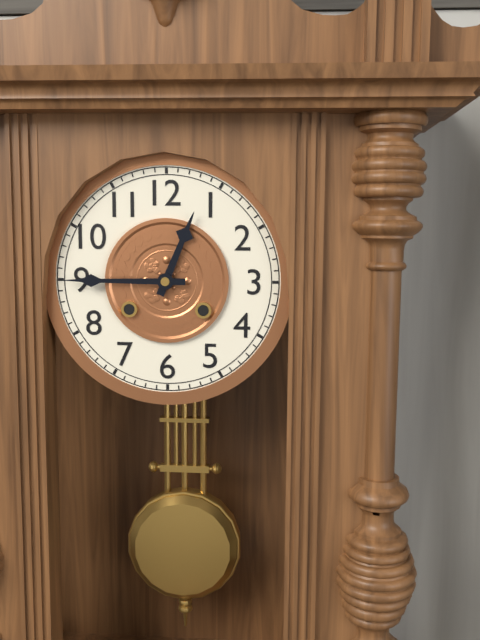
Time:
12.45
